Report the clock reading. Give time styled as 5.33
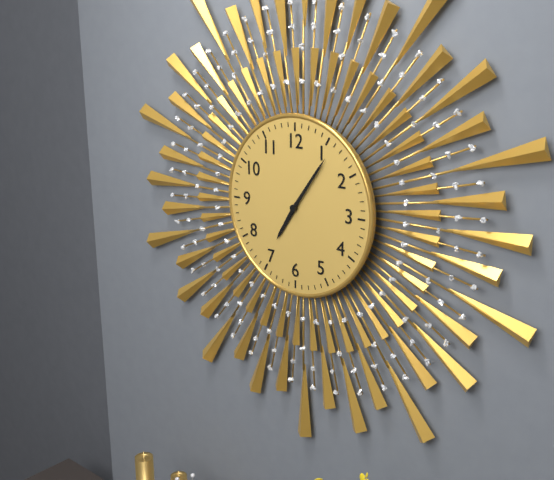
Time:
7.06
